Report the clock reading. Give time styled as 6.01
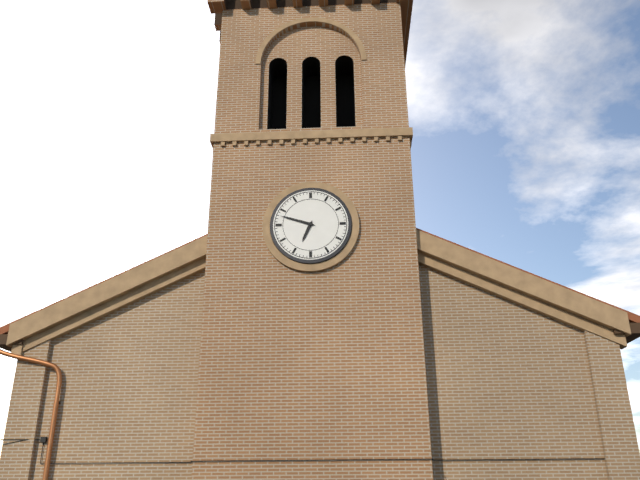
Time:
6.48
